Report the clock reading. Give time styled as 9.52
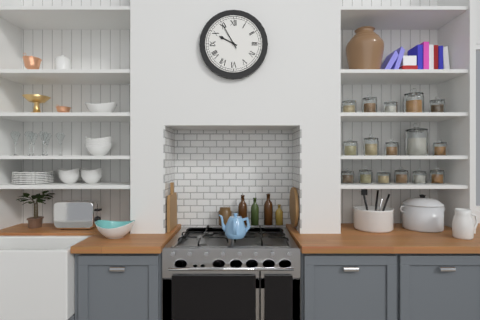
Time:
9.55
